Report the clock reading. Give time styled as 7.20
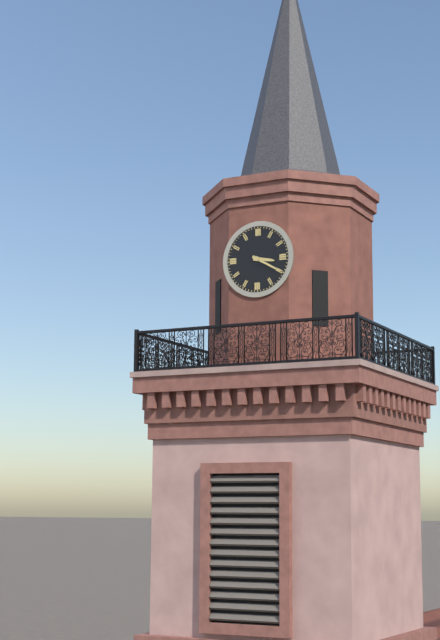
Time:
3.20
